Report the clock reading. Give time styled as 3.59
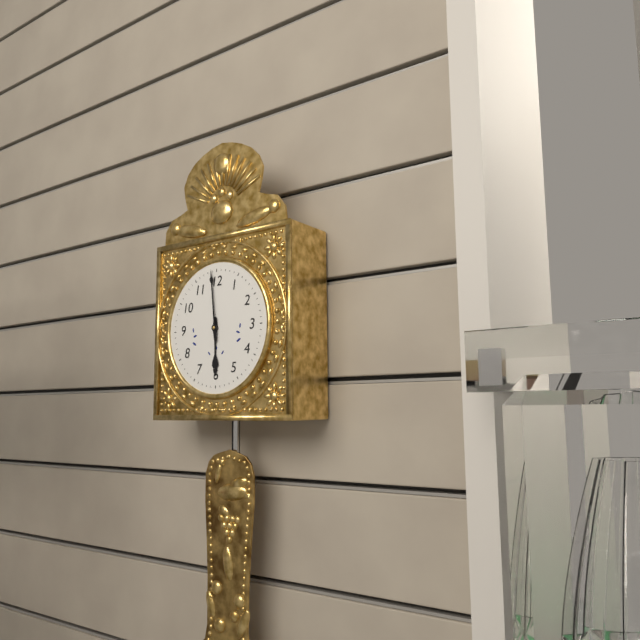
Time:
5.59
